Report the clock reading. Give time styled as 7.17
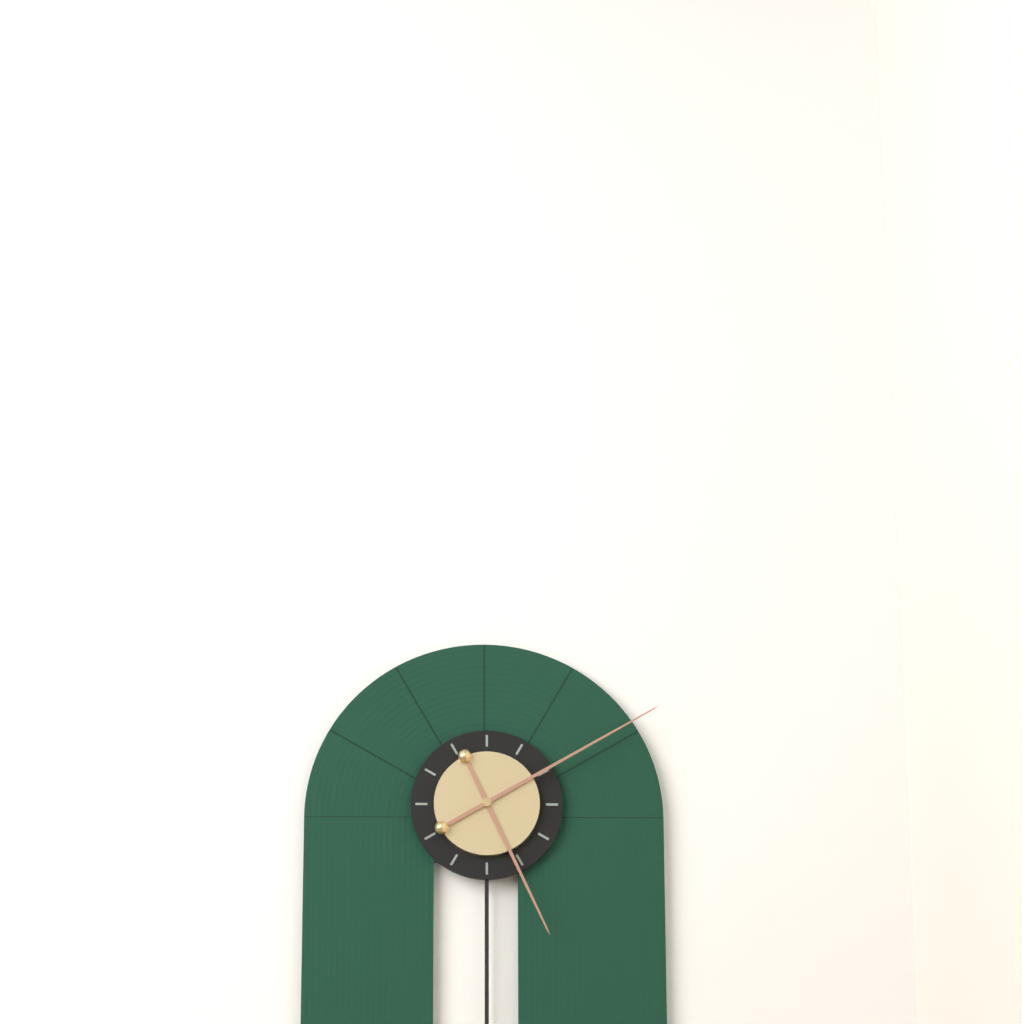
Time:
5.10
